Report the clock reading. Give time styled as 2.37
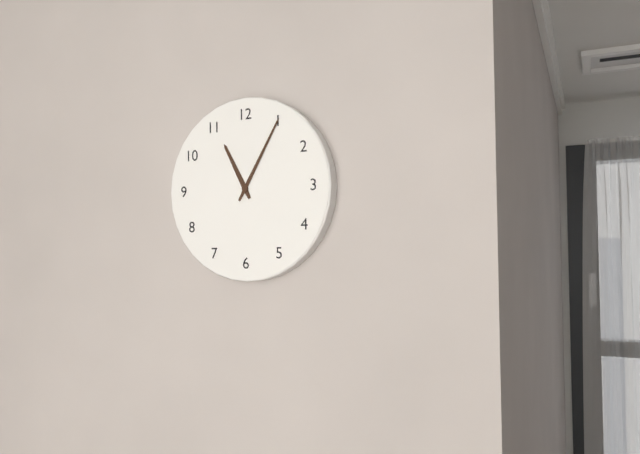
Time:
11.05
